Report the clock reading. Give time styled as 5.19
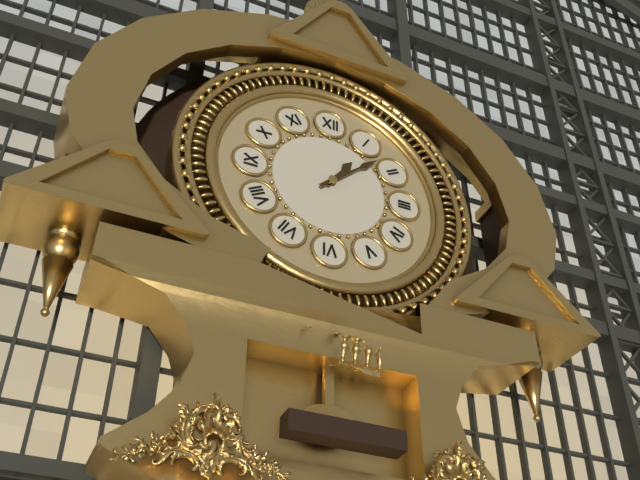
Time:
1.08
